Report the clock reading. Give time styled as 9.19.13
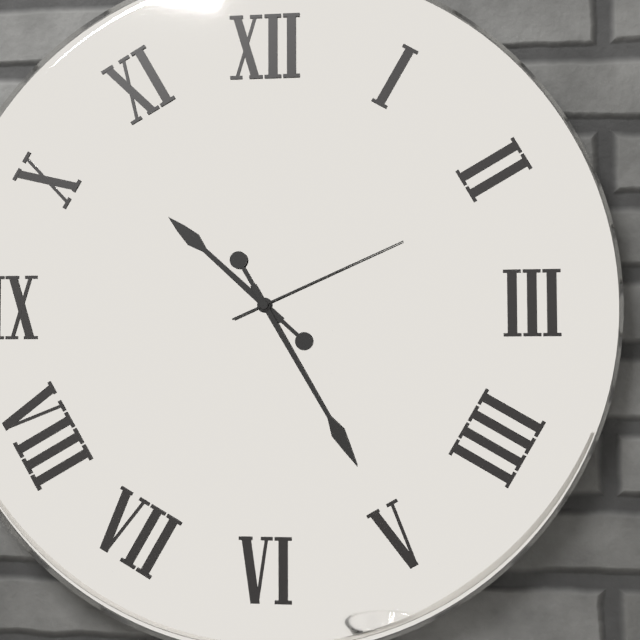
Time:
10.25.11
